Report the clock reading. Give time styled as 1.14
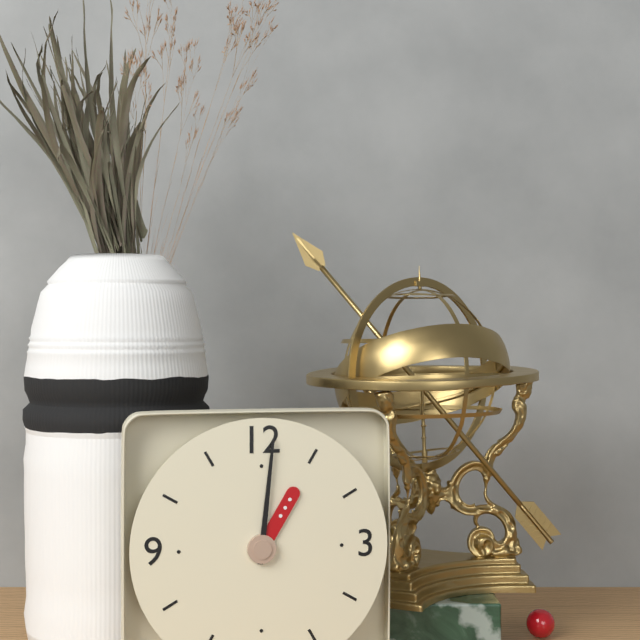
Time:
1.01
